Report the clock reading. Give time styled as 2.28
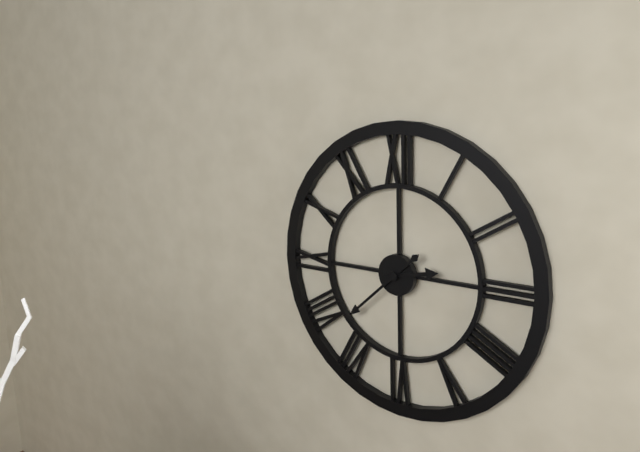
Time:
2.38
